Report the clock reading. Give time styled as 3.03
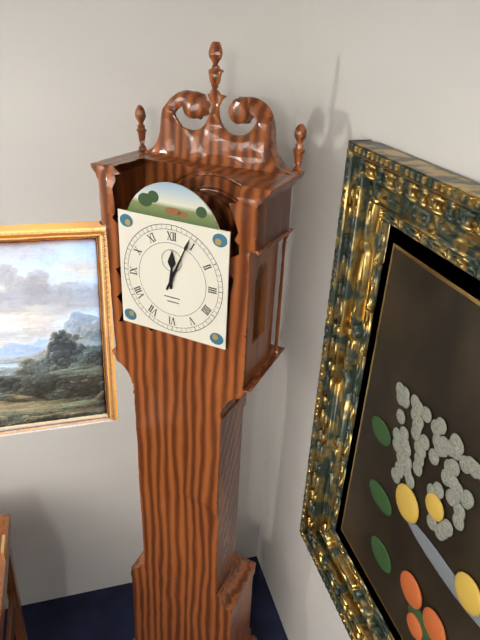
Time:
12.04
